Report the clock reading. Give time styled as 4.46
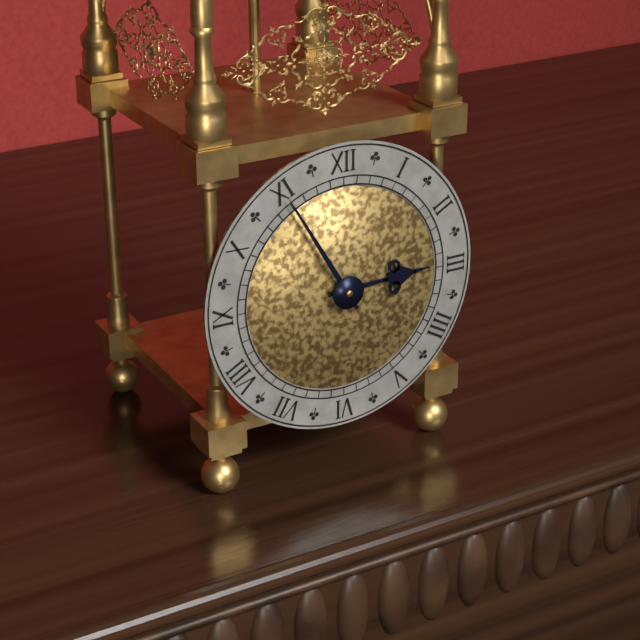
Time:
2.55
